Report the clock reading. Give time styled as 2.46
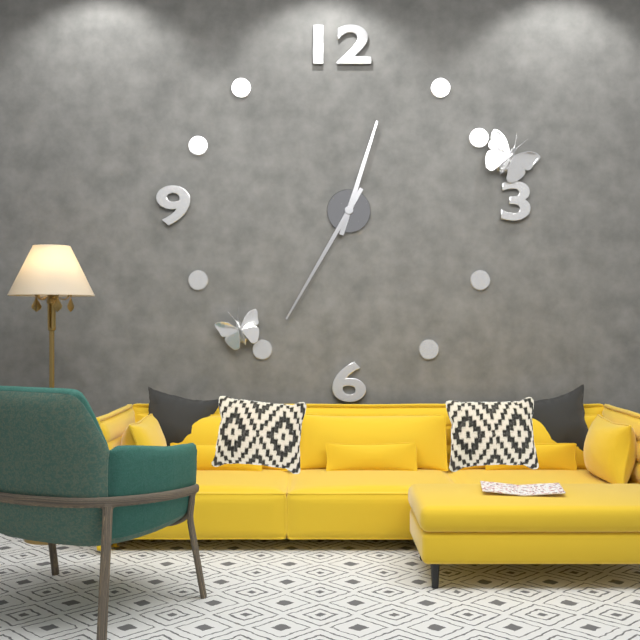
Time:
12.35
